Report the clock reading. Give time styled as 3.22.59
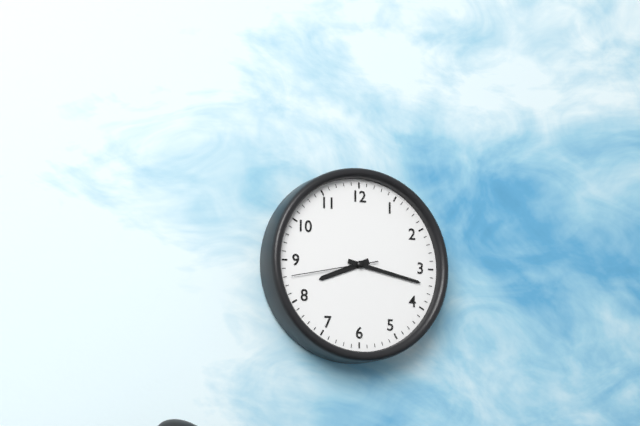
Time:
8.17.43
